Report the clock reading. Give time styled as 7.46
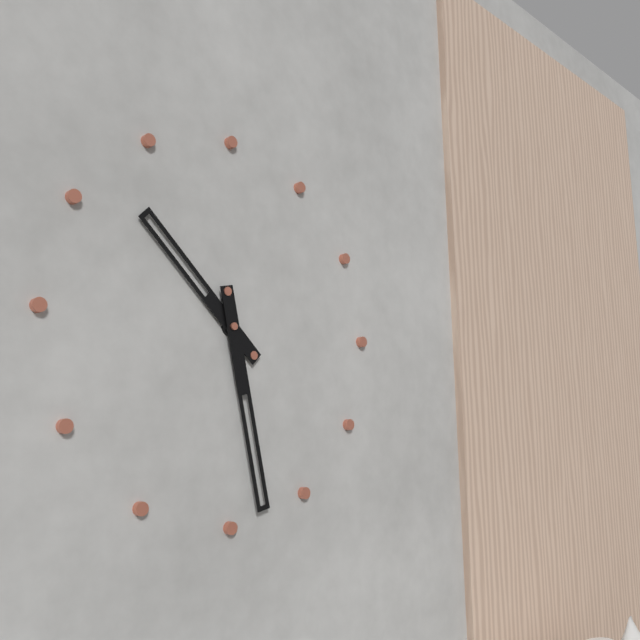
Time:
10.28
